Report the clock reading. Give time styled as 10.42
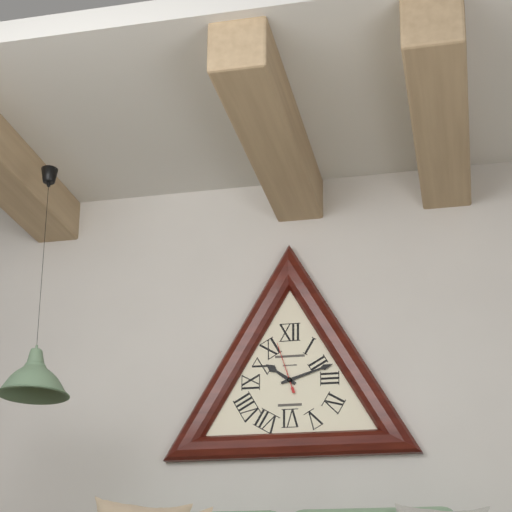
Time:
10.12
